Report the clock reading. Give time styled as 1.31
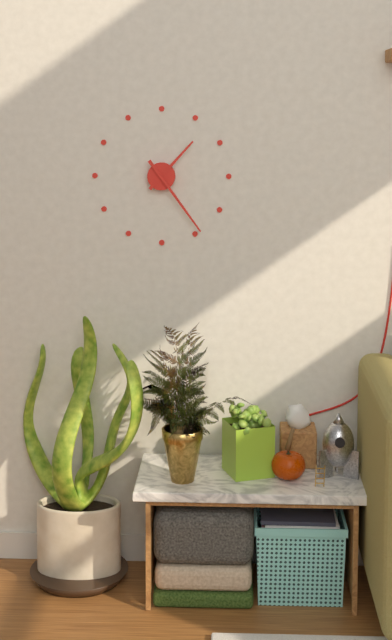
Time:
1.24
